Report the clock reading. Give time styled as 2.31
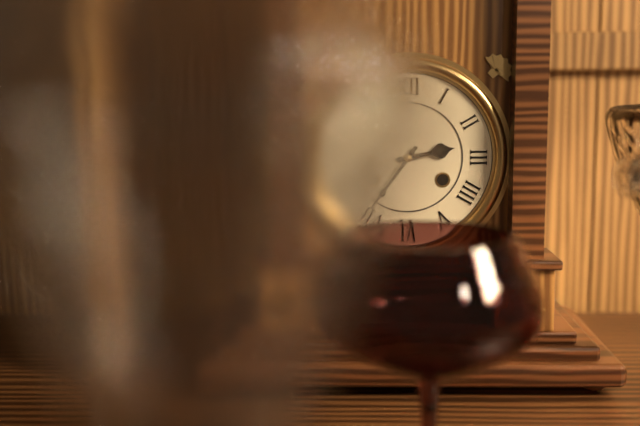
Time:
2.36
